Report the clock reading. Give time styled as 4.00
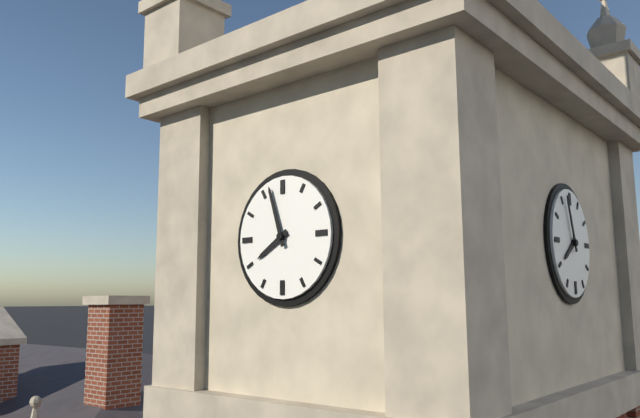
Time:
7.57
